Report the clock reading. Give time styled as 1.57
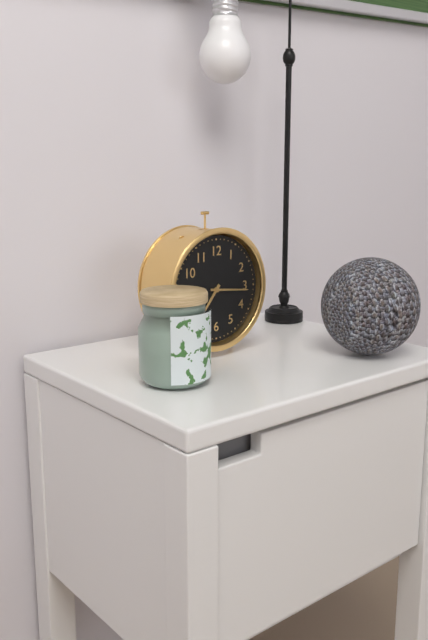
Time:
7.16
